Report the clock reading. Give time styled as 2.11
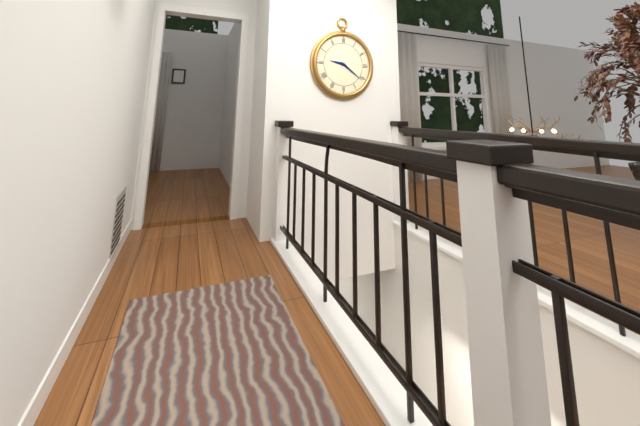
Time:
9.21
